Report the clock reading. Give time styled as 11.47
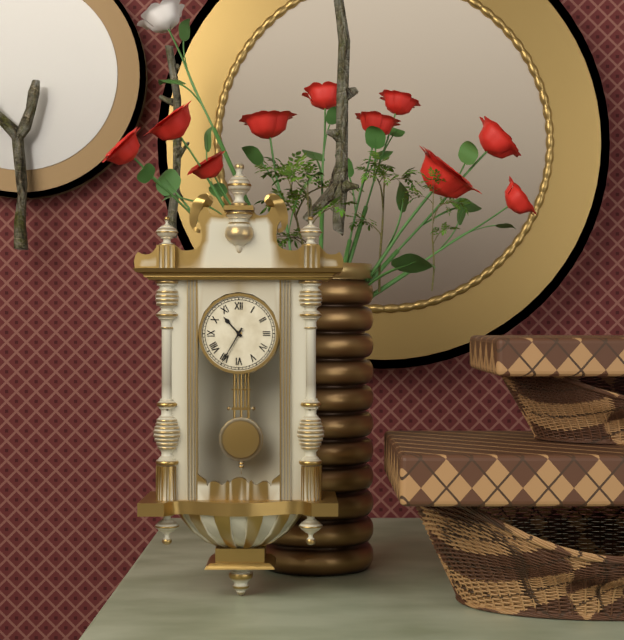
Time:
10.35
